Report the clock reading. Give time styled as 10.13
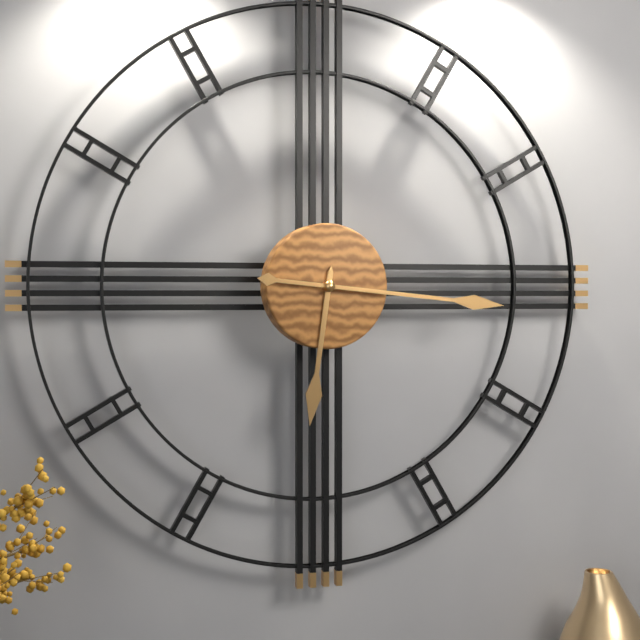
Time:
6.16
